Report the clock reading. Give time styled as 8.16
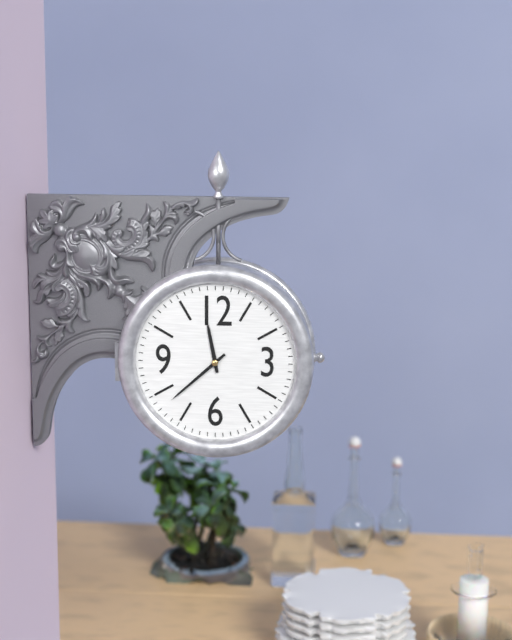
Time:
11.38
